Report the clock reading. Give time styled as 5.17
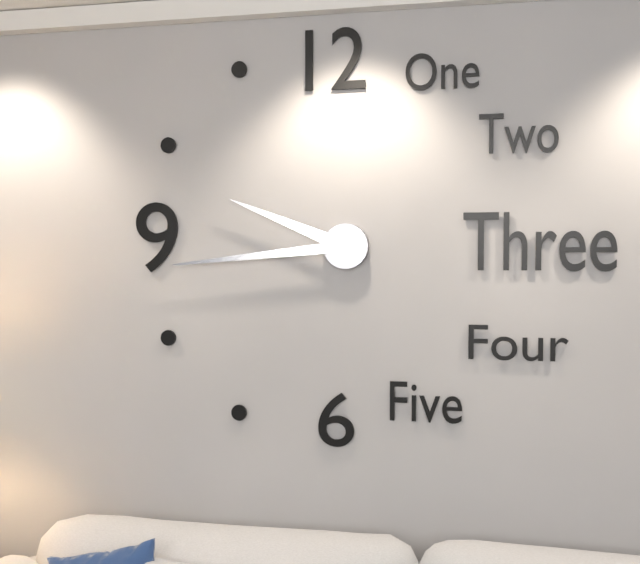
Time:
9.44
